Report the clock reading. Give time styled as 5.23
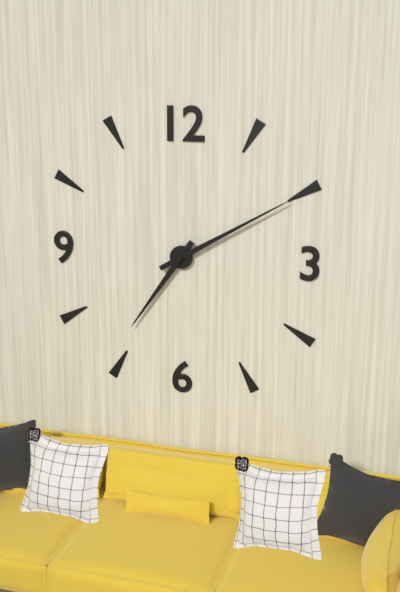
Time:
7.10
